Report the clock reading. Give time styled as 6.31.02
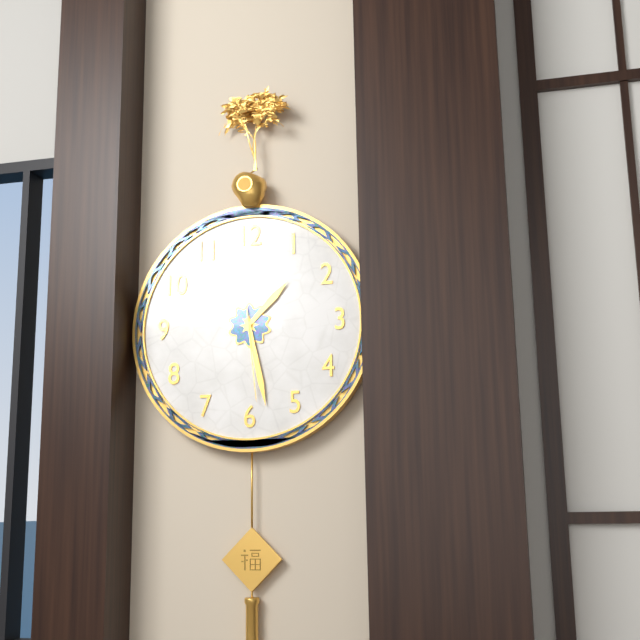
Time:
1.28.29
